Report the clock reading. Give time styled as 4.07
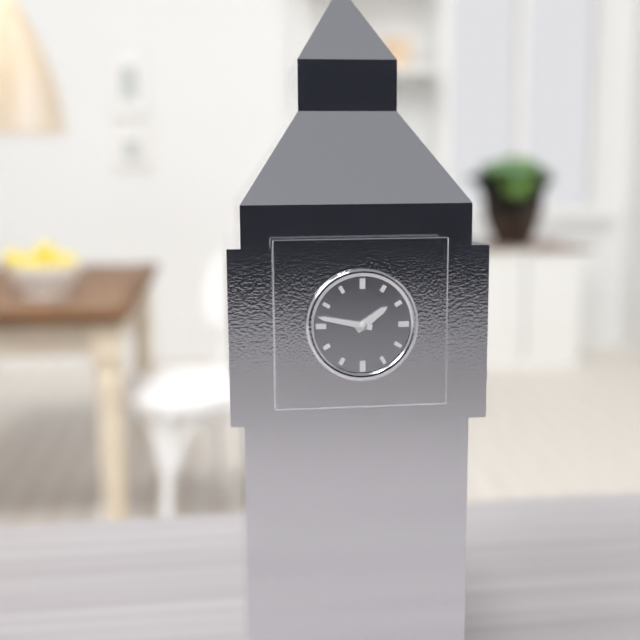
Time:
1.47
